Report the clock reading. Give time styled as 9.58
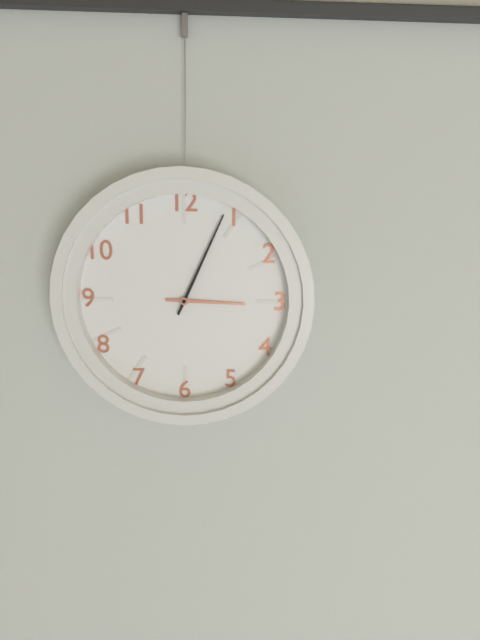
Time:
3.04
